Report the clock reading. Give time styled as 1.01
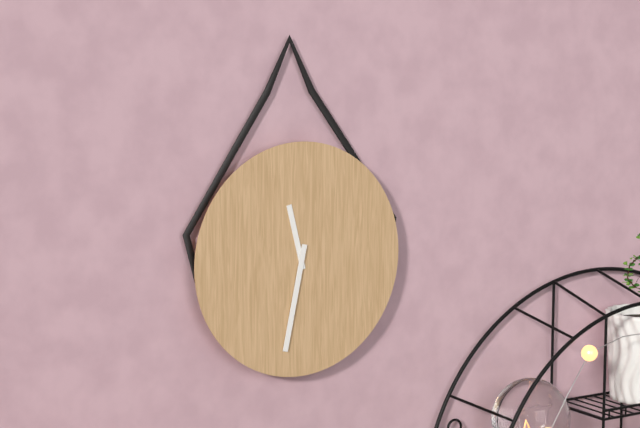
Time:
11.32
